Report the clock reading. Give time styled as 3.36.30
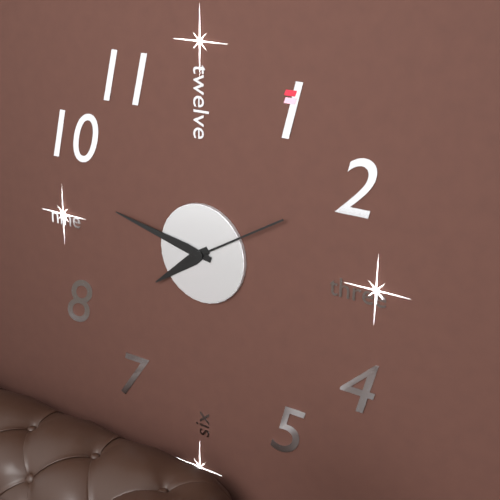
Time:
7.47.10
